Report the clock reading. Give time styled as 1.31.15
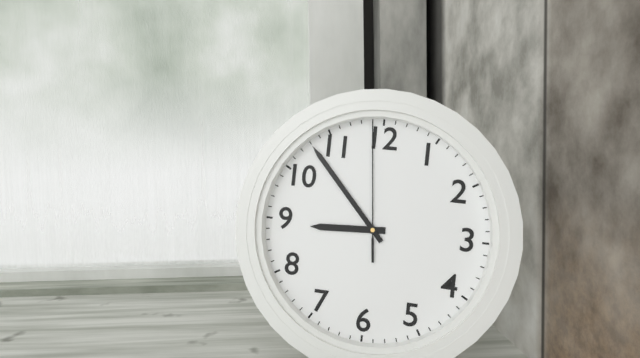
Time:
8.53.59
